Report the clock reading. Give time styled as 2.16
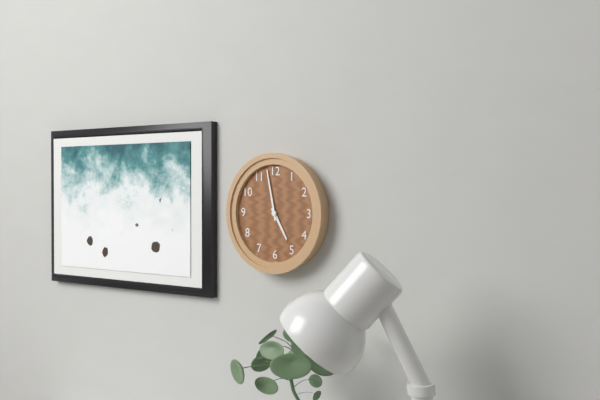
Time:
4.58
